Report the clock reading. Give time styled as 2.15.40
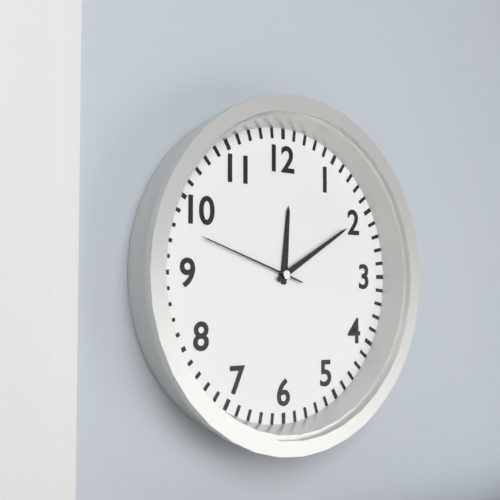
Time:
12.10.48
